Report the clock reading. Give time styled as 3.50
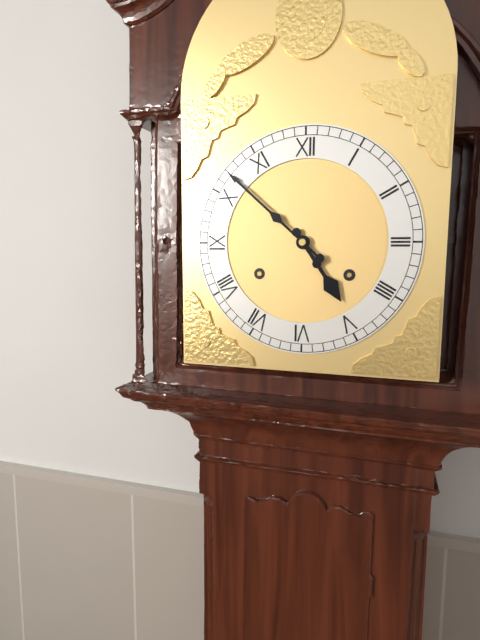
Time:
4.52
